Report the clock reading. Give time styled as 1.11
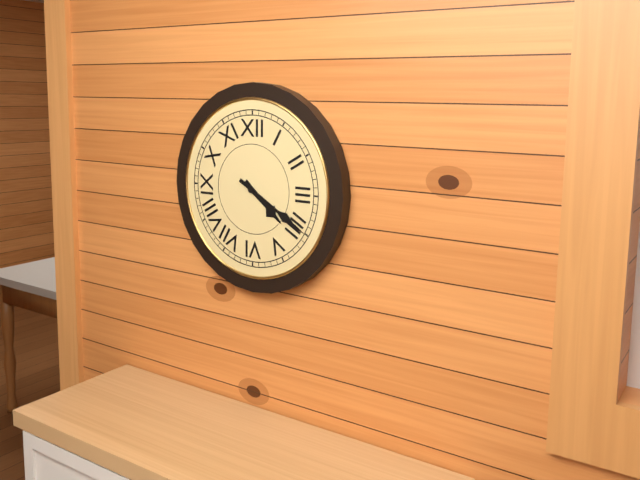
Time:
4.20
